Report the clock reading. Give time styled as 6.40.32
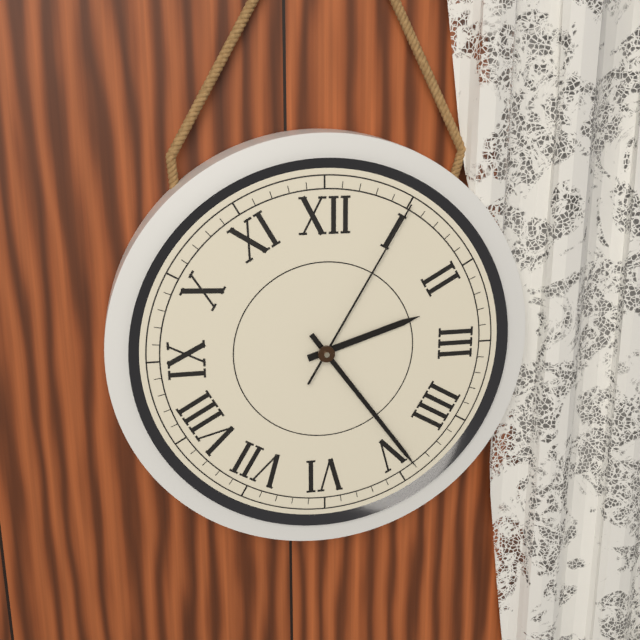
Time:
2.24.05
